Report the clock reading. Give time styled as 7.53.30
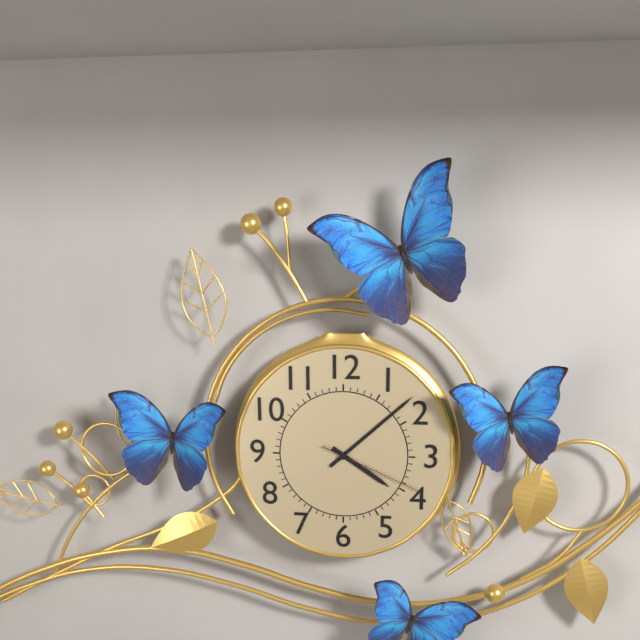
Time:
4.08.19
